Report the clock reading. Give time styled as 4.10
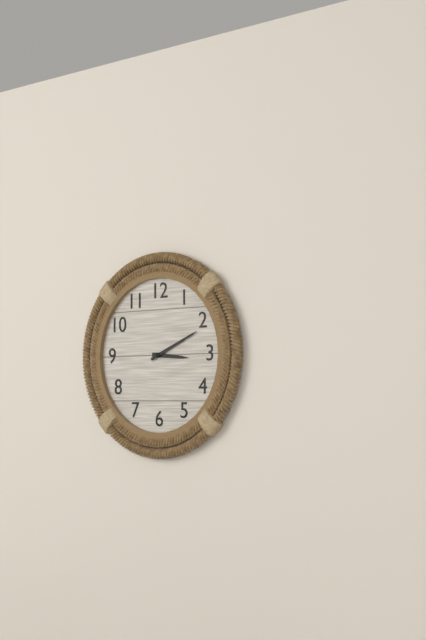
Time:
3.11
